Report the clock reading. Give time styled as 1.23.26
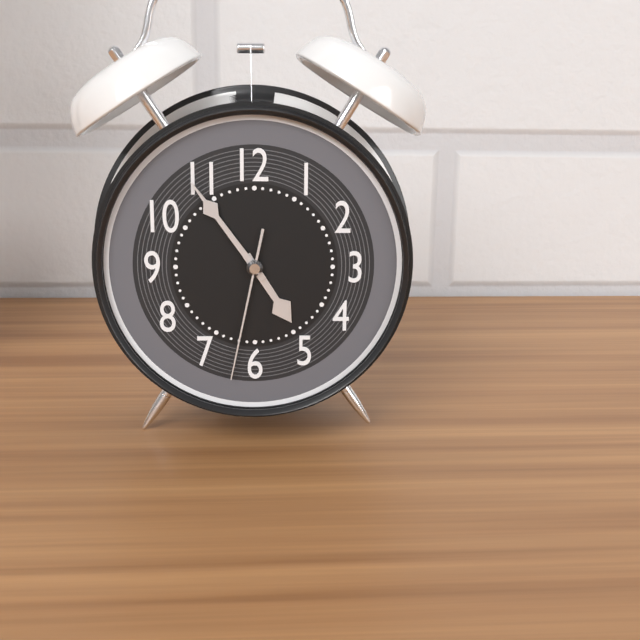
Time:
4.54.32
